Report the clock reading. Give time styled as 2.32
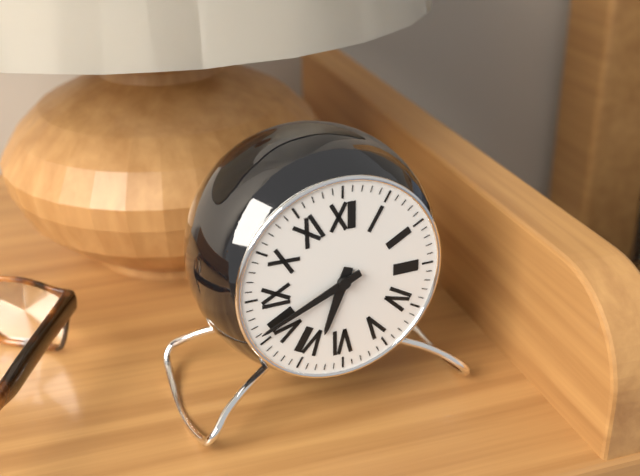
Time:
6.41
